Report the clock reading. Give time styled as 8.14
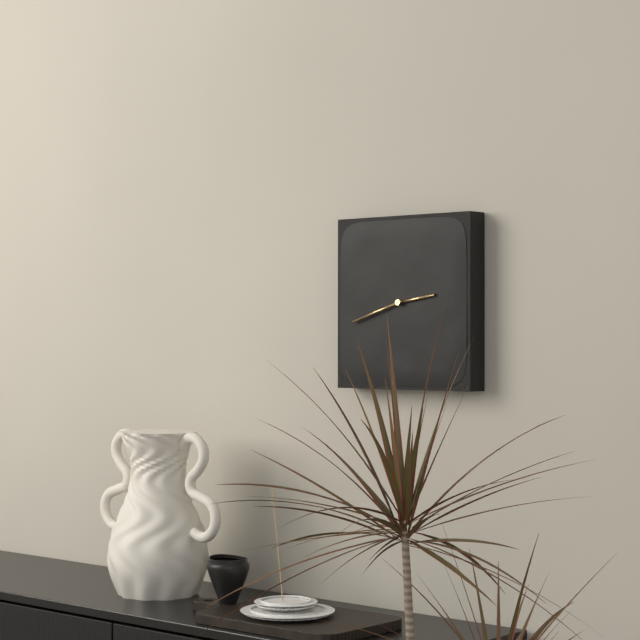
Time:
2.42
